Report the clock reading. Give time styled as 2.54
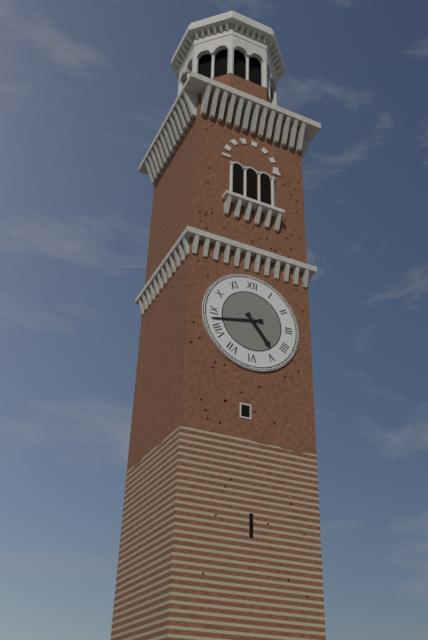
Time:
4.43
